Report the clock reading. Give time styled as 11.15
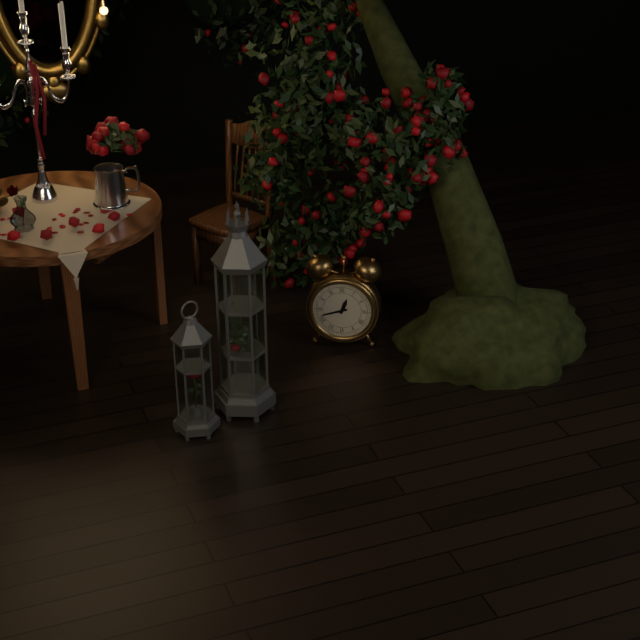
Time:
12.42
